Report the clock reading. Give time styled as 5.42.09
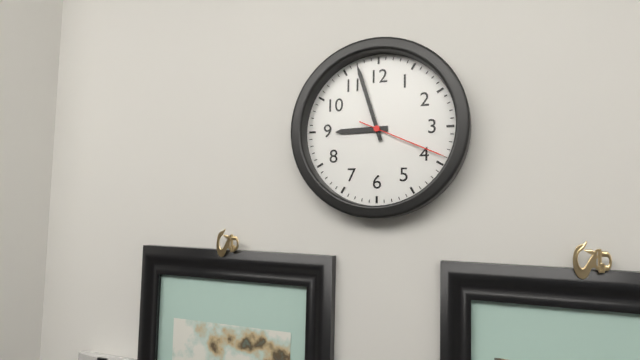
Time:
8.57.19
